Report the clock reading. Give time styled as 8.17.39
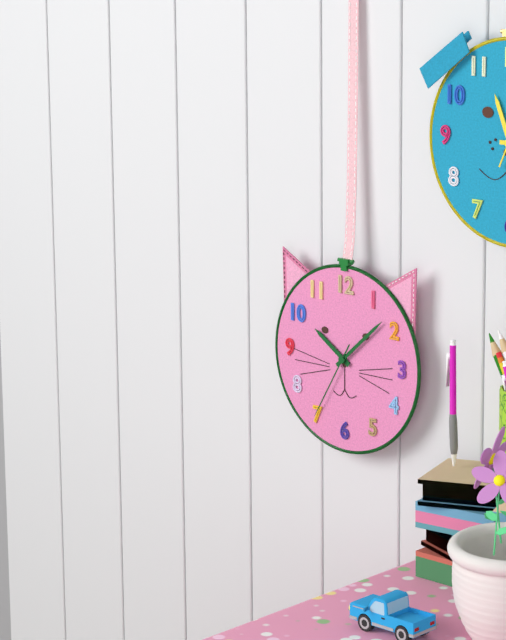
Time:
10.08.35
